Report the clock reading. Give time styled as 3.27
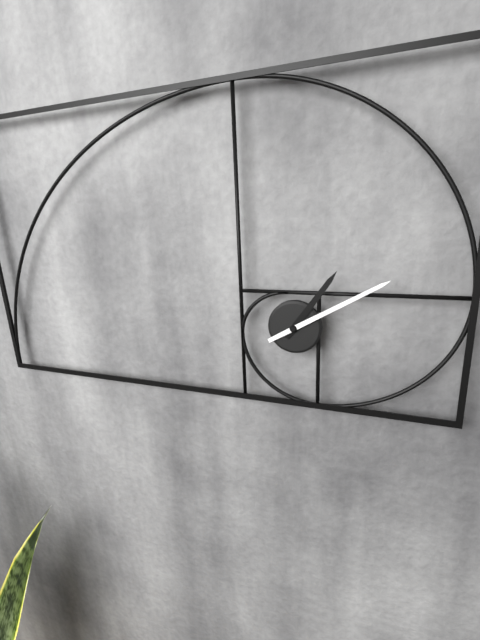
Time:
1.10
